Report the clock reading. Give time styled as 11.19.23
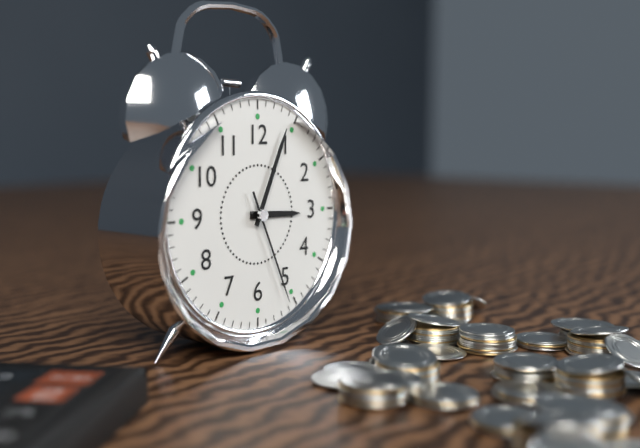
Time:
3.04.26
